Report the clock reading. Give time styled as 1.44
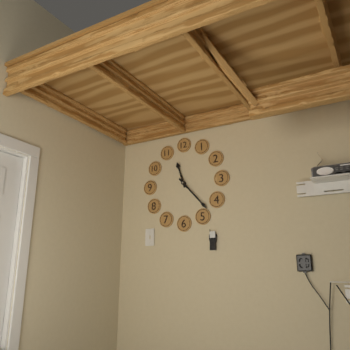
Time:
11.23
